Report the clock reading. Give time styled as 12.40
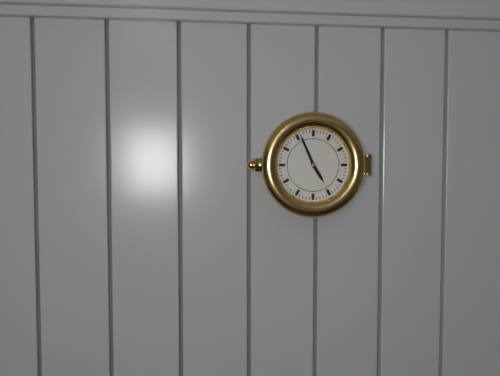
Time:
4.56
